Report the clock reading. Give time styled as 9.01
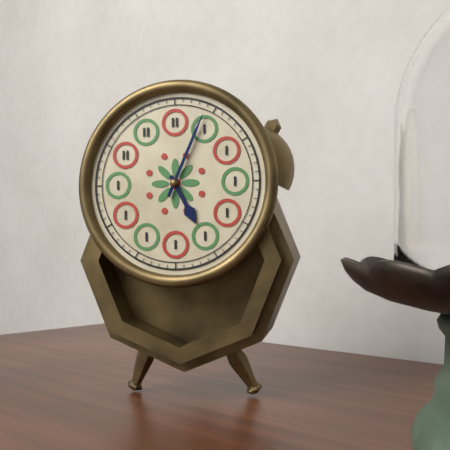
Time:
5.04
